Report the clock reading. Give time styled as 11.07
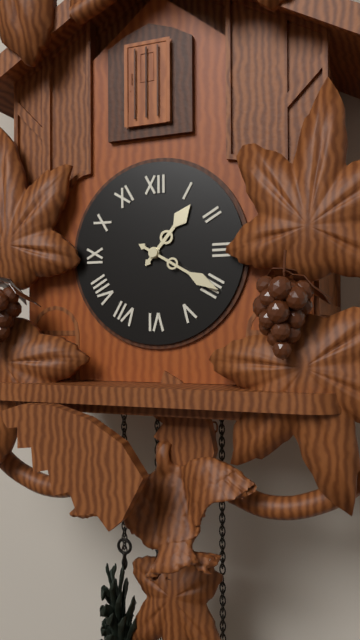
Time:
1.20
